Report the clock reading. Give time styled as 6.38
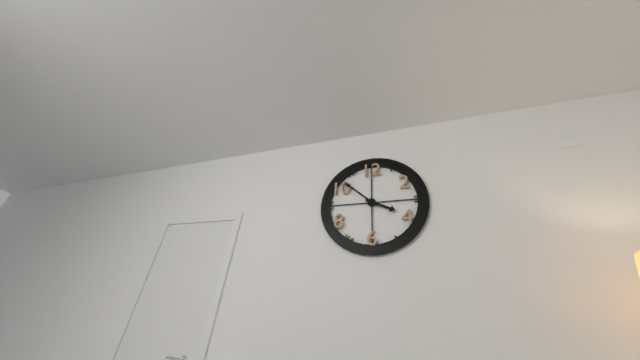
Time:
3.52
